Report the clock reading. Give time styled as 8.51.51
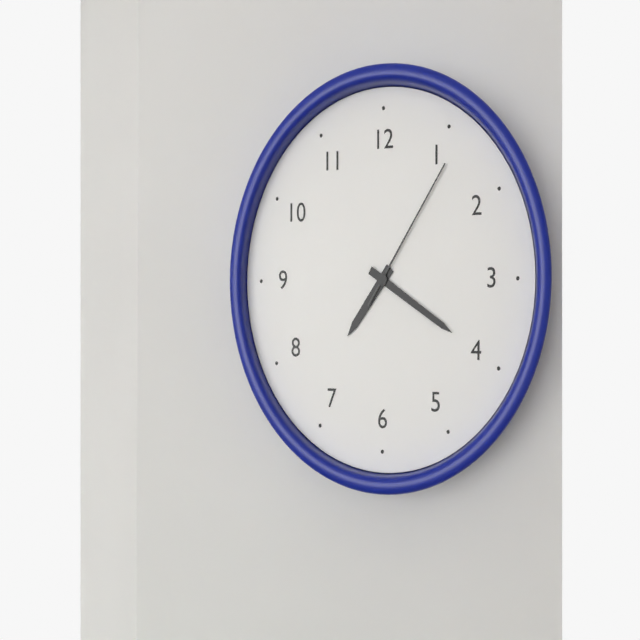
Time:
7.20.06
